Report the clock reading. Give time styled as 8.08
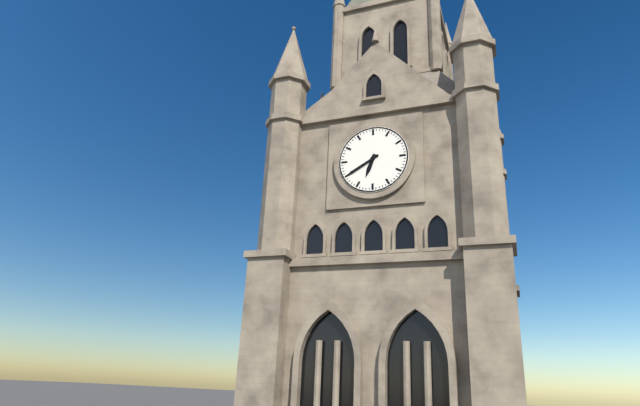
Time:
6.40
